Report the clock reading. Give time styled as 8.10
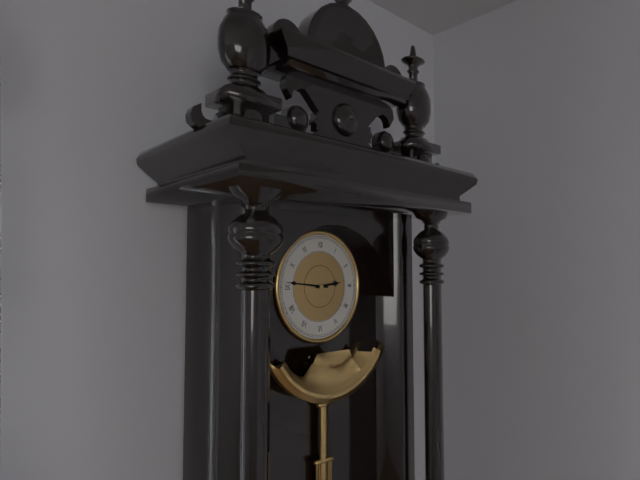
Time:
2.46
